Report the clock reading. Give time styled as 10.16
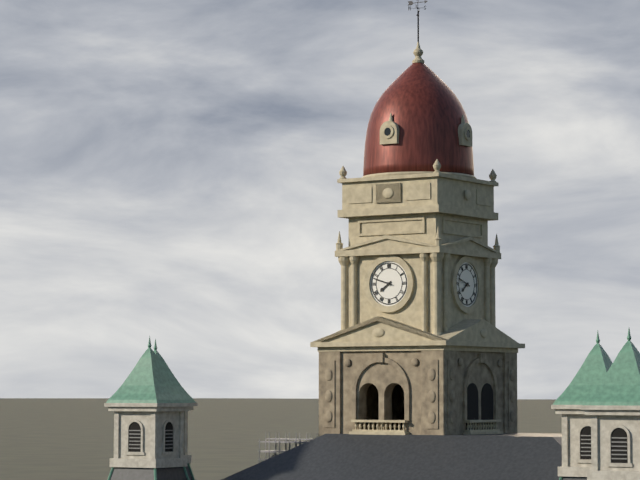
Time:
7.48
